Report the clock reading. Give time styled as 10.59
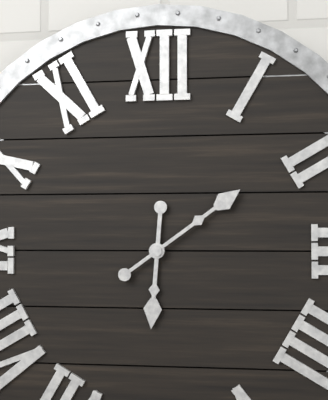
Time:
6.09
